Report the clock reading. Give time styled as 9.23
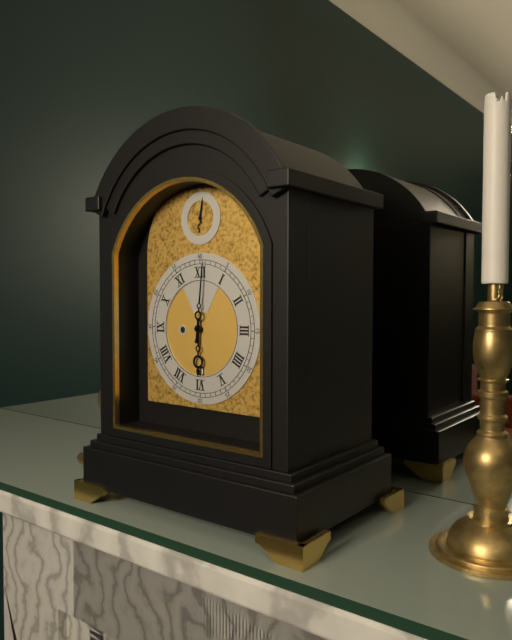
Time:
6.01
